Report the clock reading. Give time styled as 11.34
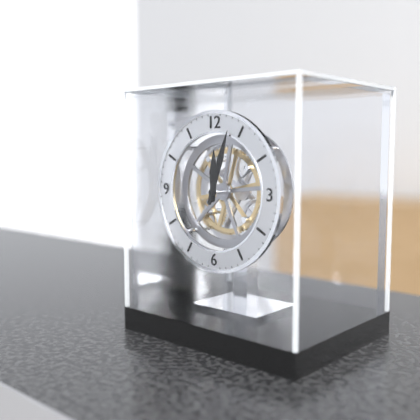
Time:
12.03
